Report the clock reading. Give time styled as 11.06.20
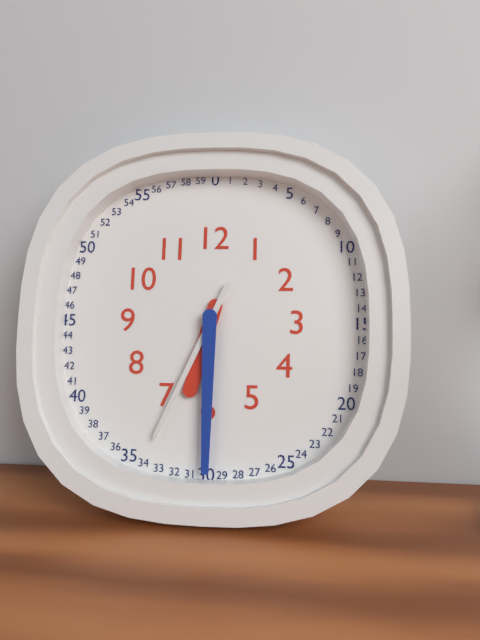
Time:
6.30.34
